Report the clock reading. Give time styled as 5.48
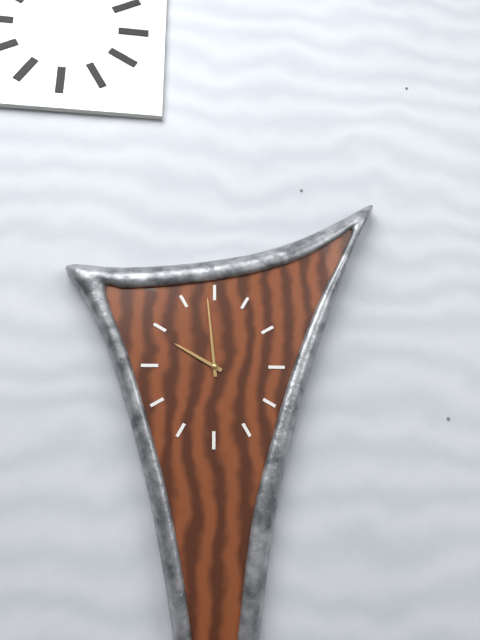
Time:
9.59
